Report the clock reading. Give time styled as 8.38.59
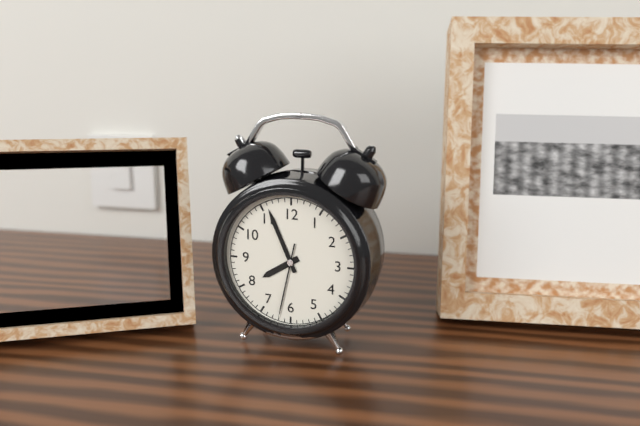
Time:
7.56.32
